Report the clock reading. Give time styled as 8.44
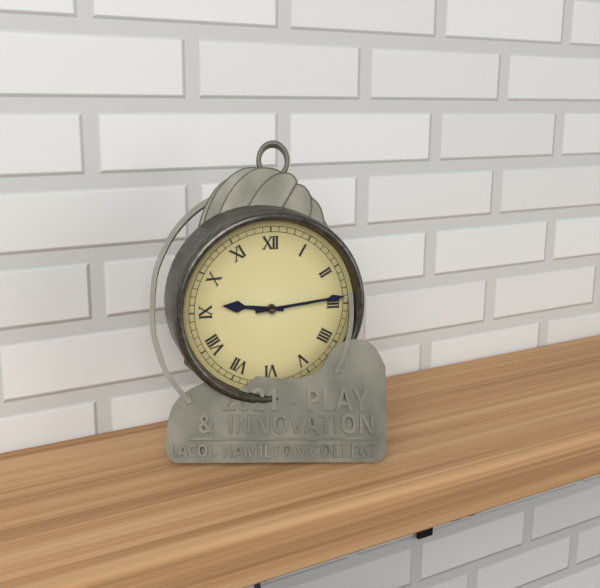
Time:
9.14
